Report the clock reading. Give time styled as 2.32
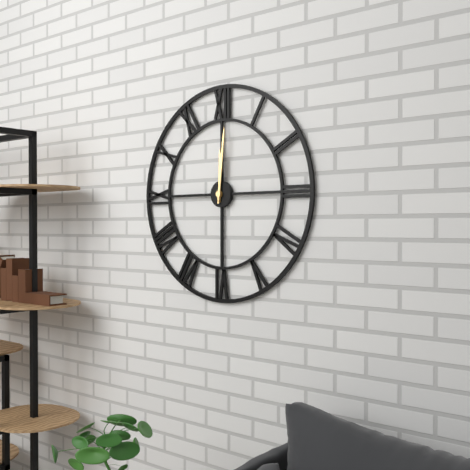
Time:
12.01
